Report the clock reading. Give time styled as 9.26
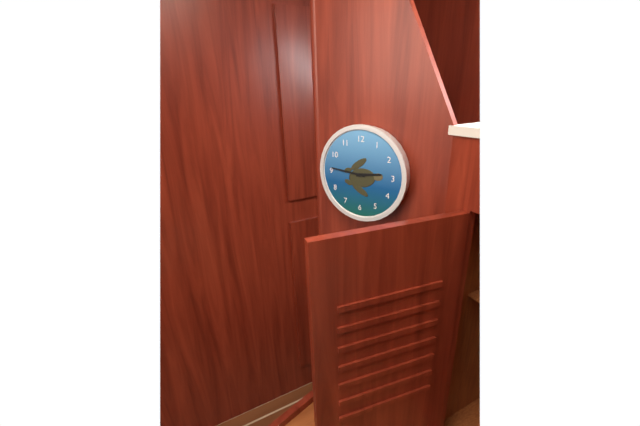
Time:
2.46
